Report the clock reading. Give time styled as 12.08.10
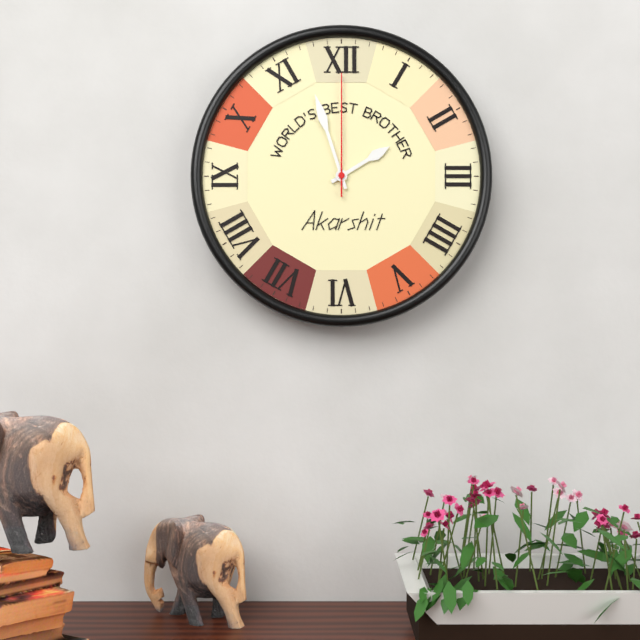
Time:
1.57.00
